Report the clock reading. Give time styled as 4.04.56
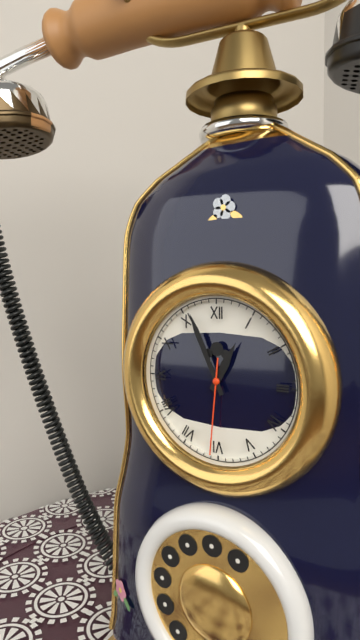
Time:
12.56.31
